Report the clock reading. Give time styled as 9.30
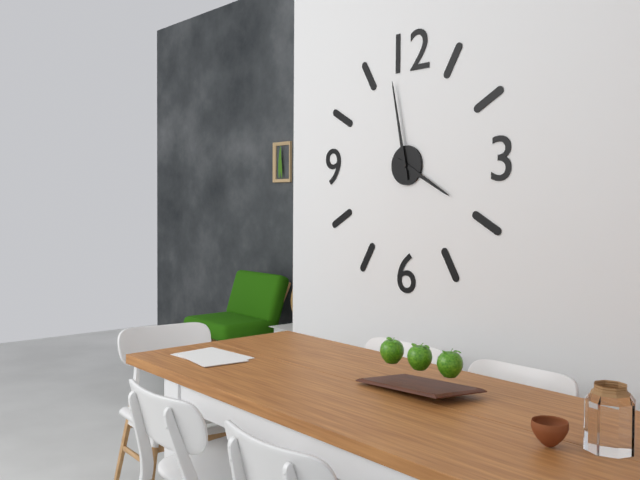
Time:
3.58
